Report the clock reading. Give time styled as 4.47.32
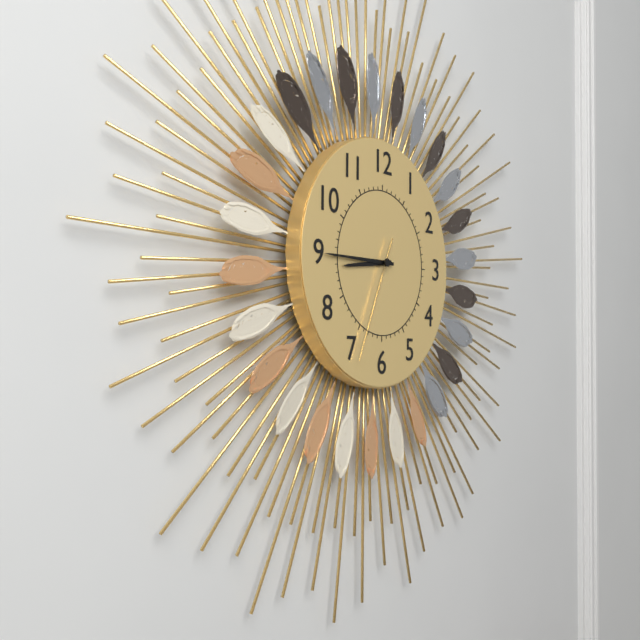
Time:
8.45.34
